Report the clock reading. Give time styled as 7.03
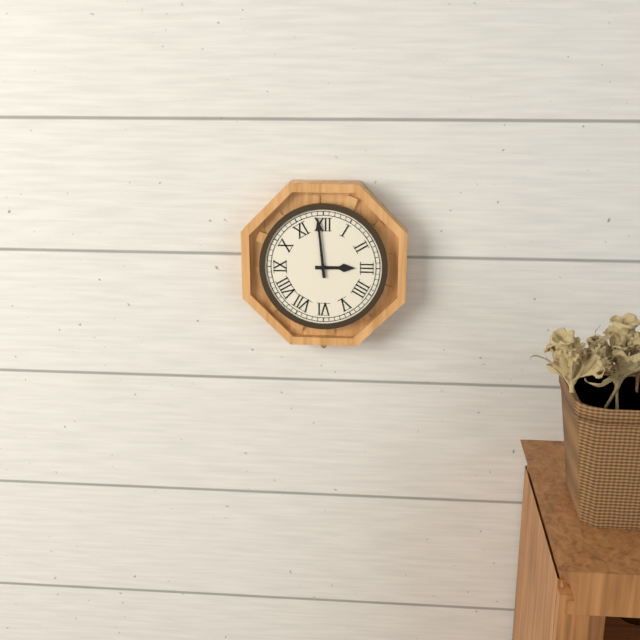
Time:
2.59
